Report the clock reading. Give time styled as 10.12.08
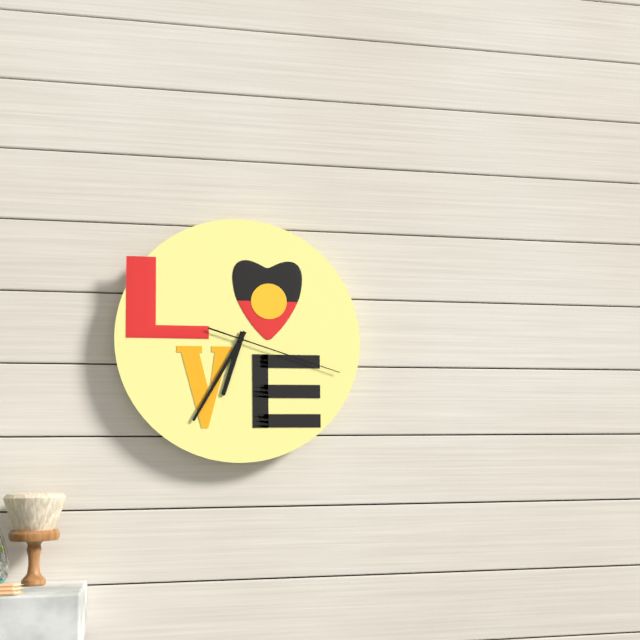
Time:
6.35.18
